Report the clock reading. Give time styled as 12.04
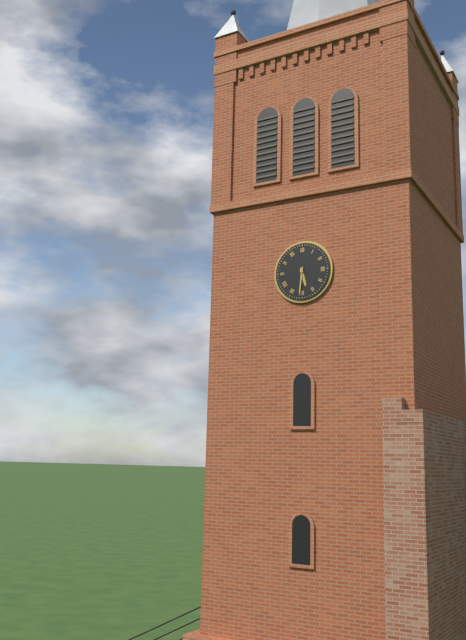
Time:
5.31
